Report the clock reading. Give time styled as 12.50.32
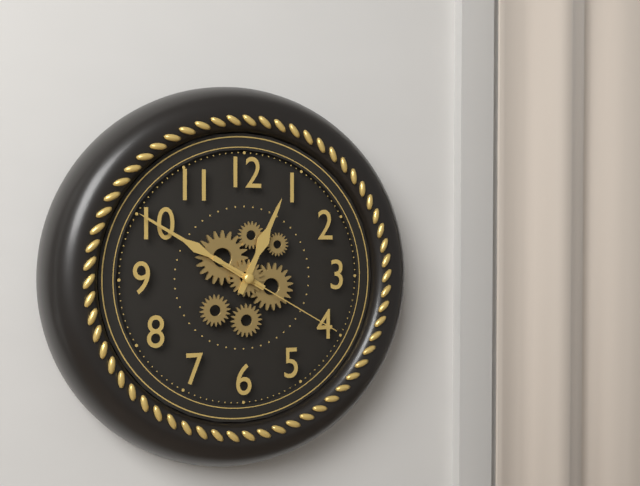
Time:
12.50.20
